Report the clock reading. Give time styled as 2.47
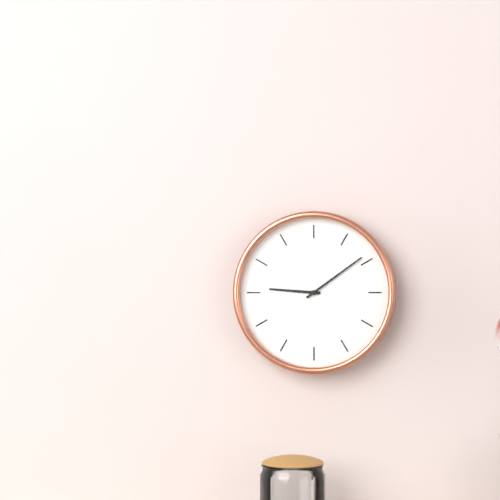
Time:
9.09
